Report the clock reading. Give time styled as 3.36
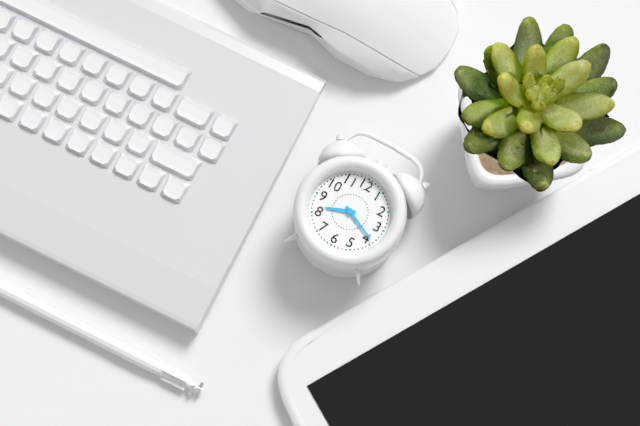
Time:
8.19
